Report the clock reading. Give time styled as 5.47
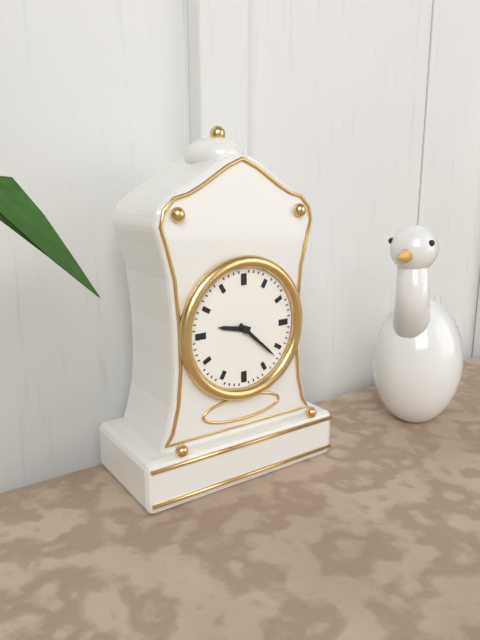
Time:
9.22
